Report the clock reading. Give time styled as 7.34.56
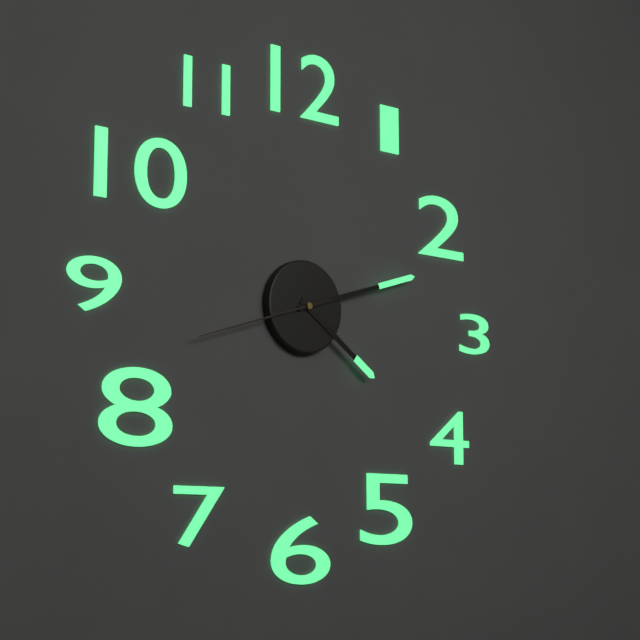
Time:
4.12.42
